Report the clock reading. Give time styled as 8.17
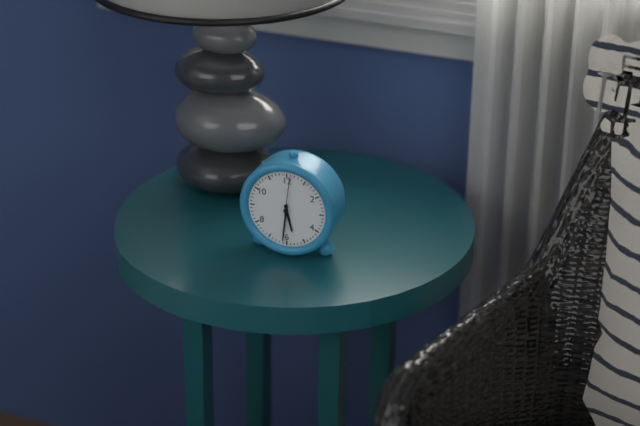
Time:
5.31
